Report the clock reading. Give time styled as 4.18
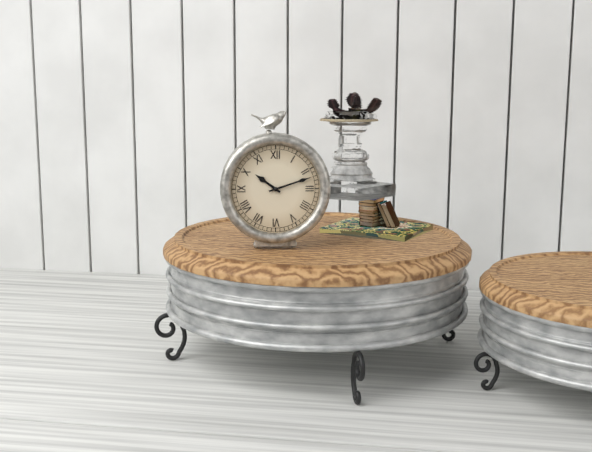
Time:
10.12
